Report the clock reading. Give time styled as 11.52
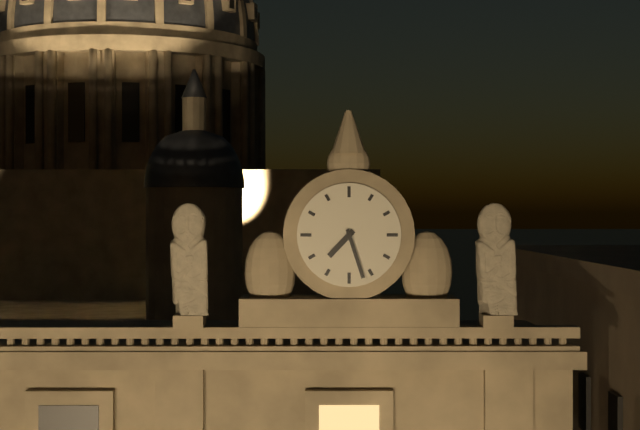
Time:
7.27
